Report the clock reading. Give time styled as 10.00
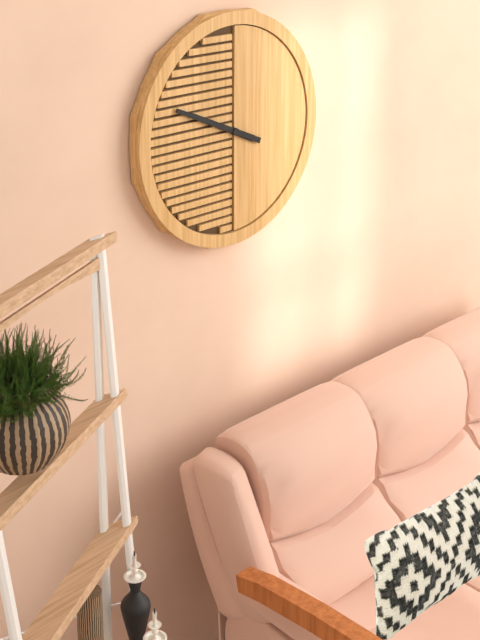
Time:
9.49
